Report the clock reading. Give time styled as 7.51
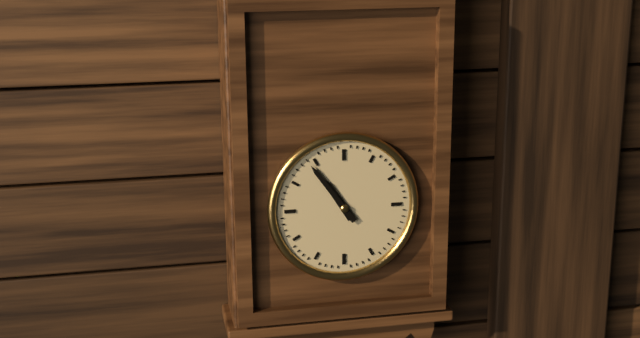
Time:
10.54
